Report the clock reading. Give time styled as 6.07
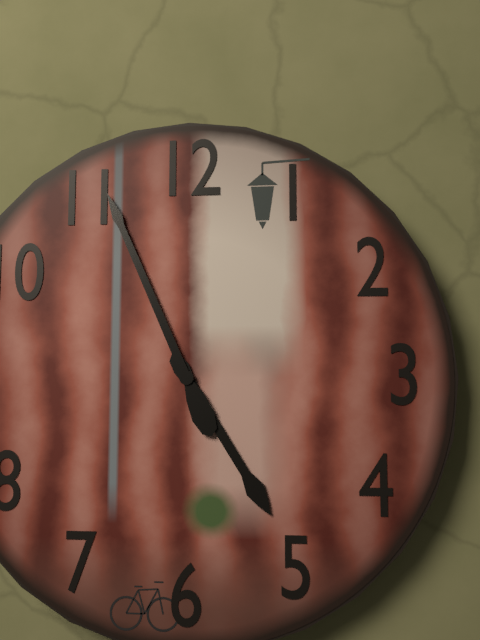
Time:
4.56
